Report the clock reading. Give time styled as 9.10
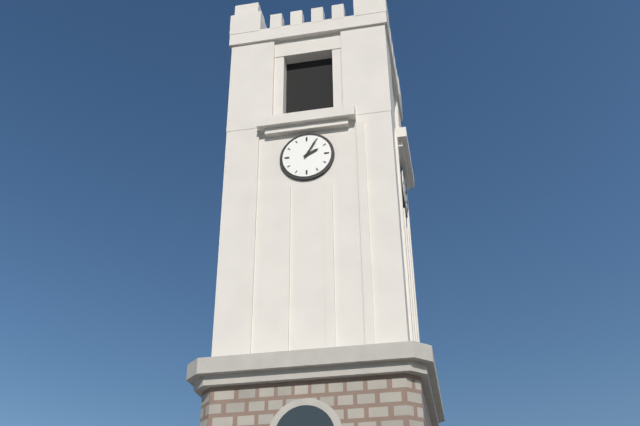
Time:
2.05
